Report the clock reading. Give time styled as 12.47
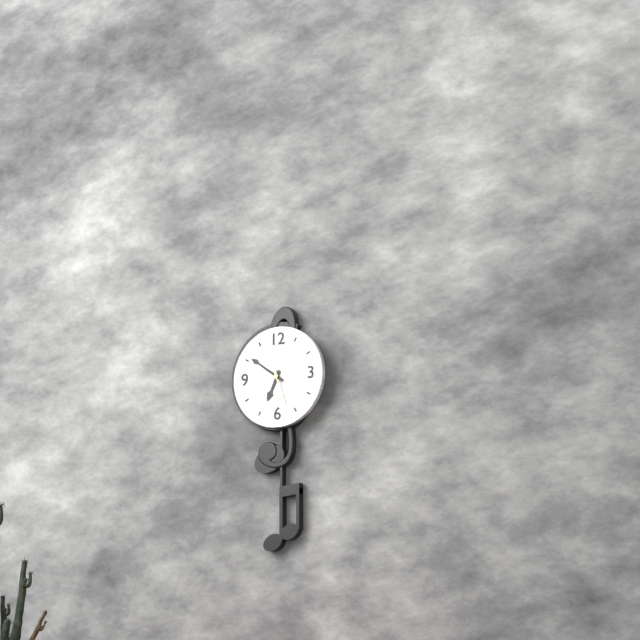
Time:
6.51
